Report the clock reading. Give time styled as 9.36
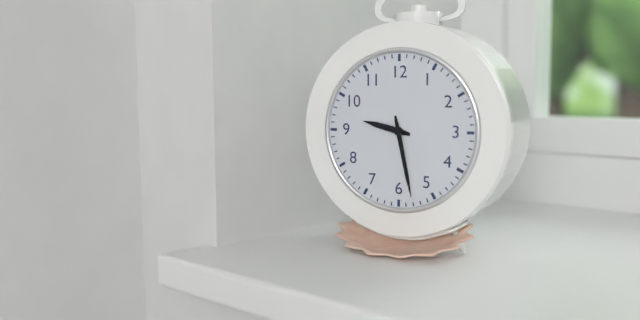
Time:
9.28
